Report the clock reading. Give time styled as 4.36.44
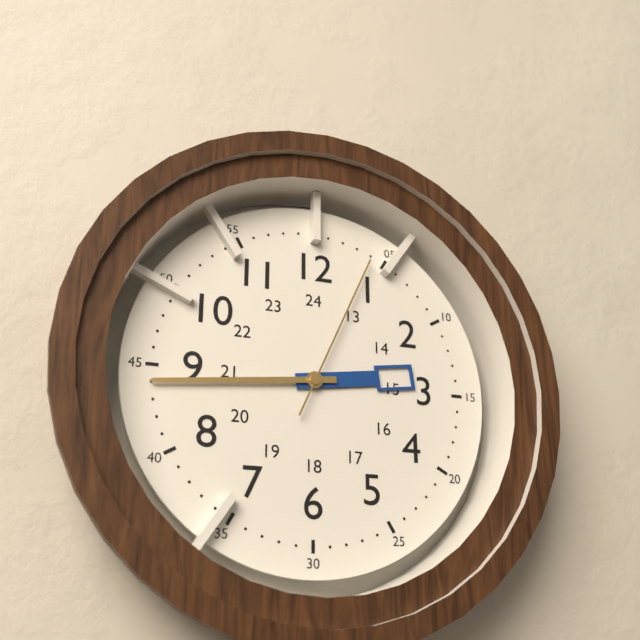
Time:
2.44.04
